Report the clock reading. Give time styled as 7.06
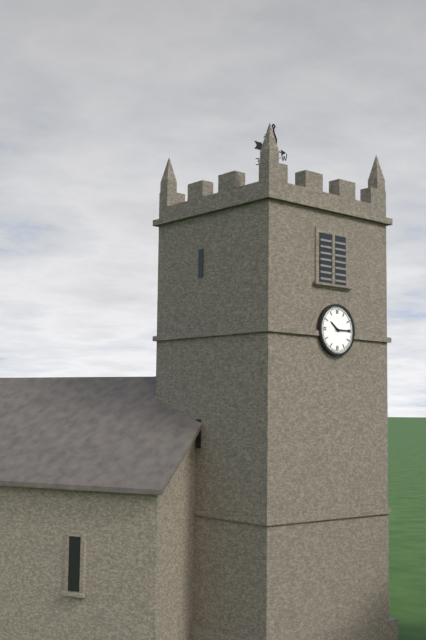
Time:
10.15
